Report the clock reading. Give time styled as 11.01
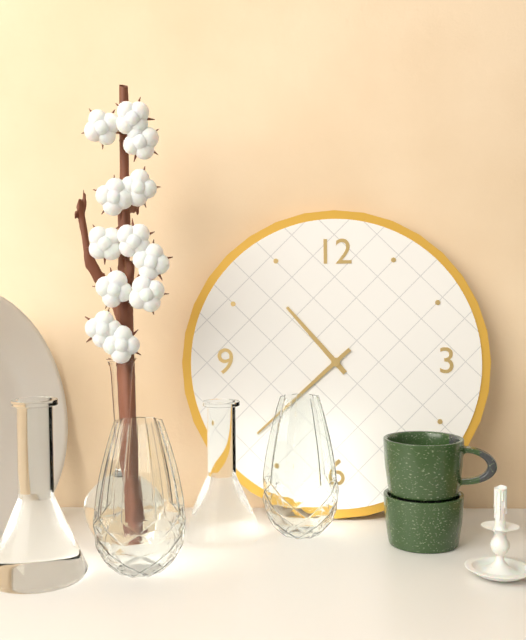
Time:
10.38
